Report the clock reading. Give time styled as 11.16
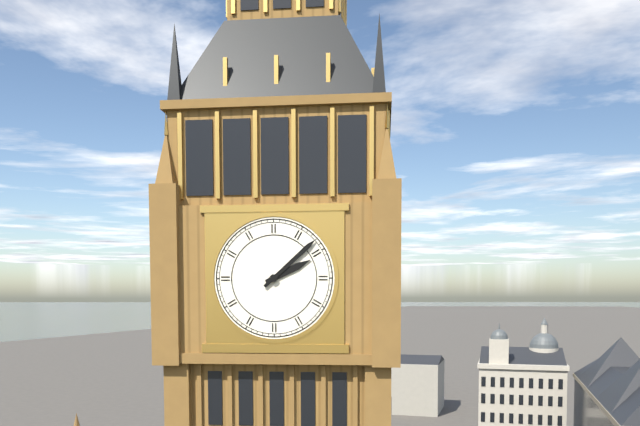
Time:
2.08
